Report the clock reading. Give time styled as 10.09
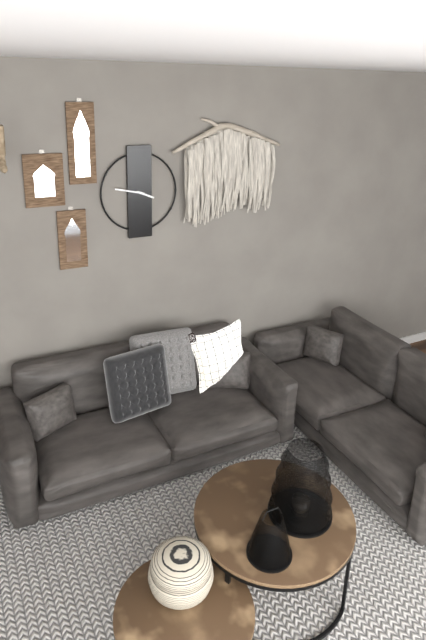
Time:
3.47
